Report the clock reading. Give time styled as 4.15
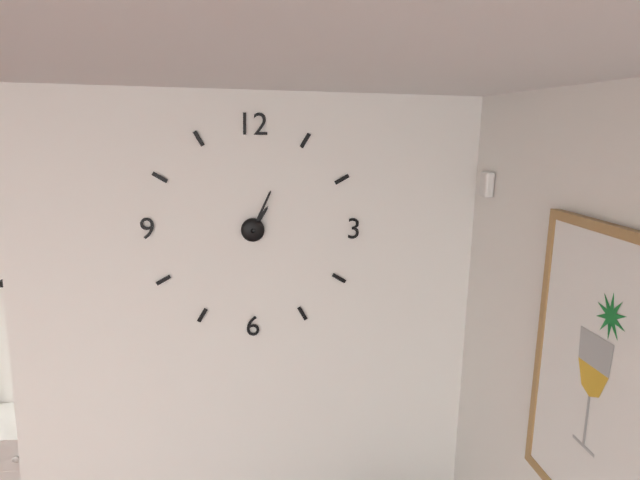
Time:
1.04
